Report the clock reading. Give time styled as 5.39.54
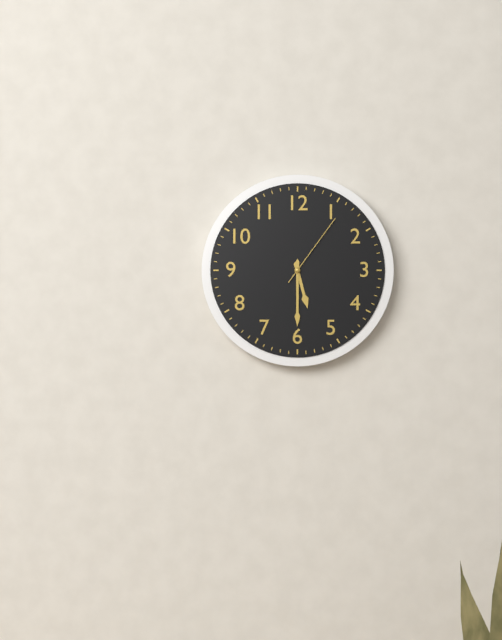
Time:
5.30.06
